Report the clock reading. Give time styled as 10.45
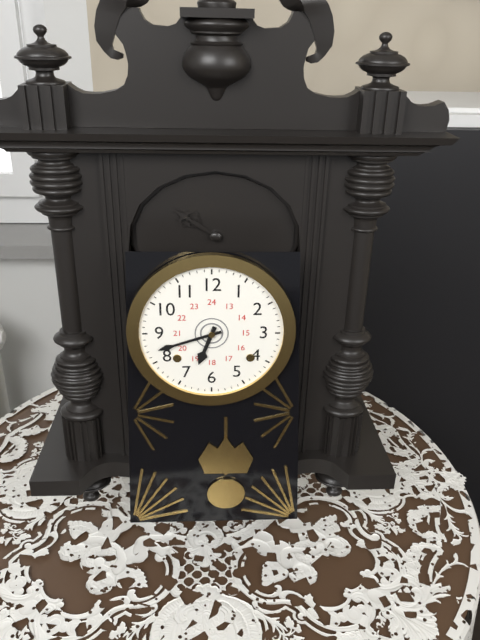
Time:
6.42
